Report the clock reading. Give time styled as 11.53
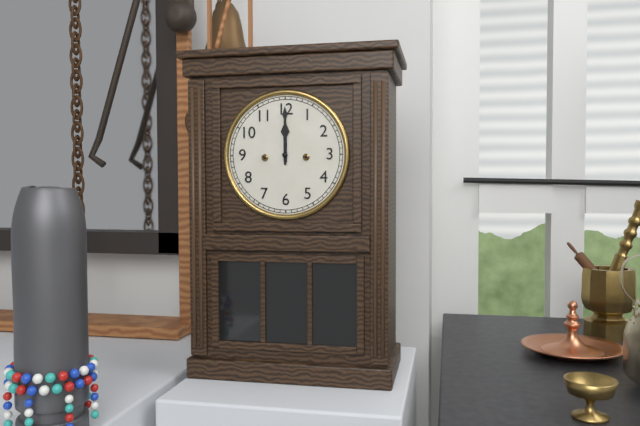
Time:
12.00
